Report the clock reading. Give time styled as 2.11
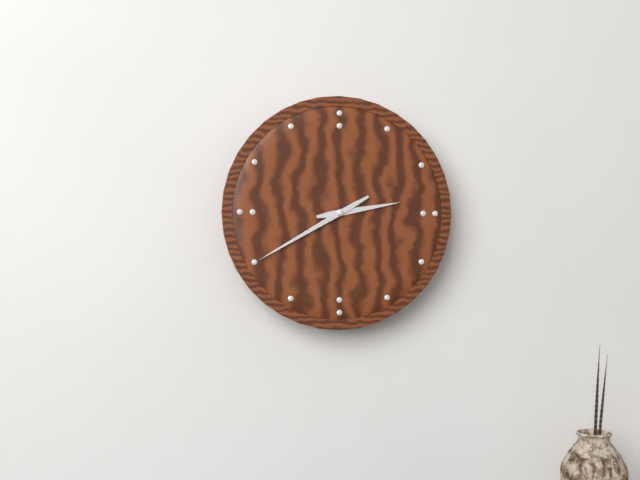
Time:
2.40
